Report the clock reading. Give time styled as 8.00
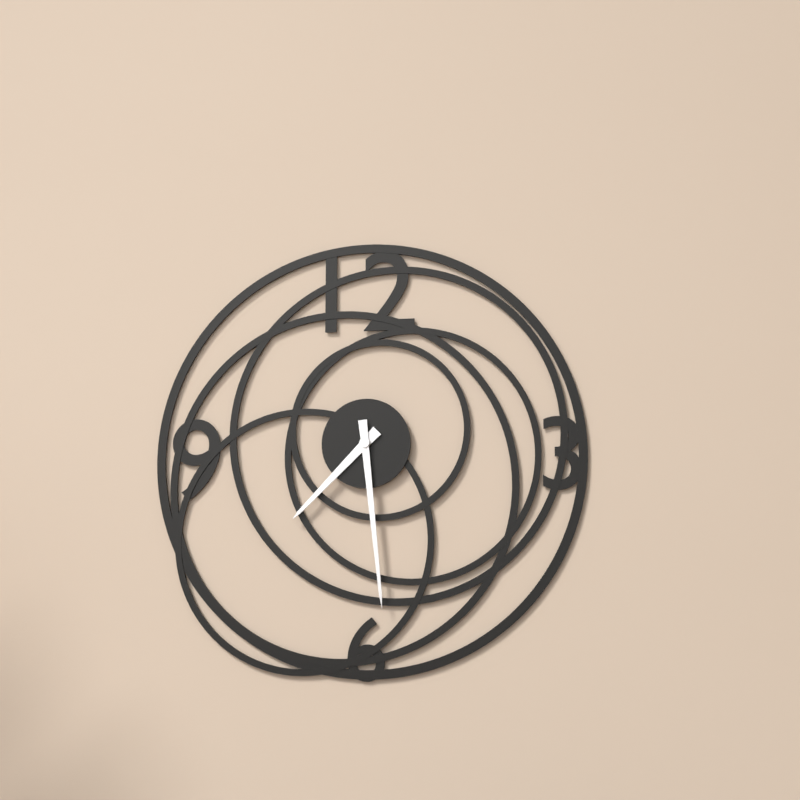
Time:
7.29
